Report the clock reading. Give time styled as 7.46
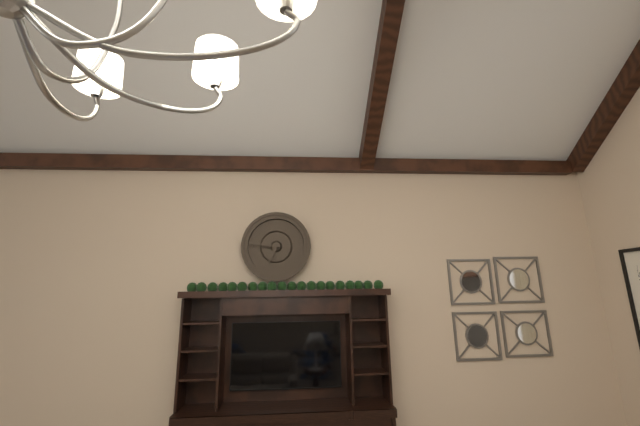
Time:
6.46
